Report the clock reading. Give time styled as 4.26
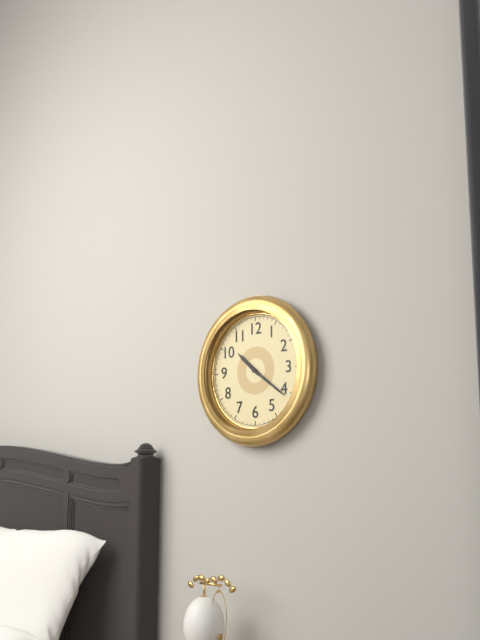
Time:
10.21
